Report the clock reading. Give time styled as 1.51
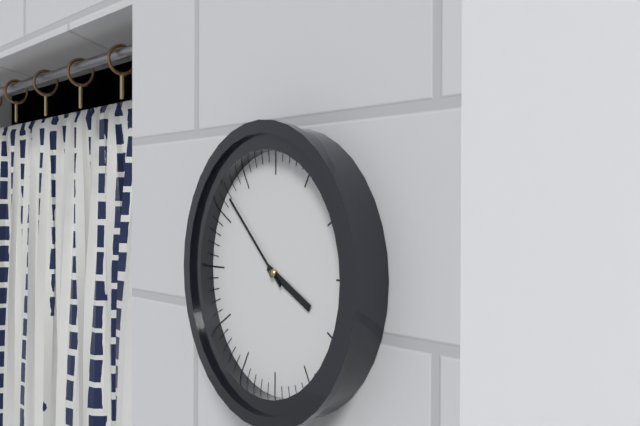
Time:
3.52
